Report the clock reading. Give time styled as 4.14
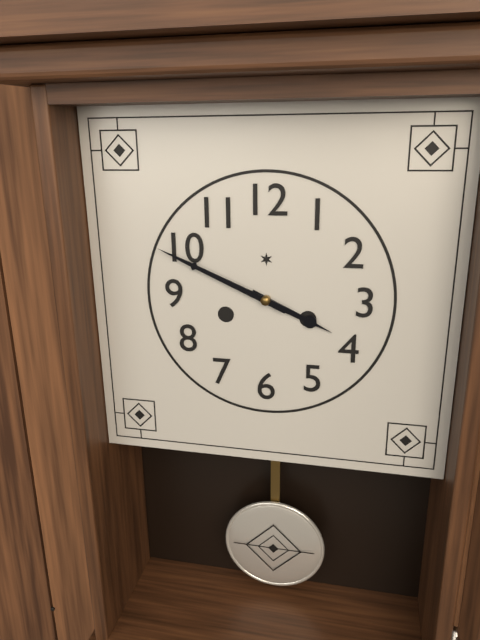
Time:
3.49
